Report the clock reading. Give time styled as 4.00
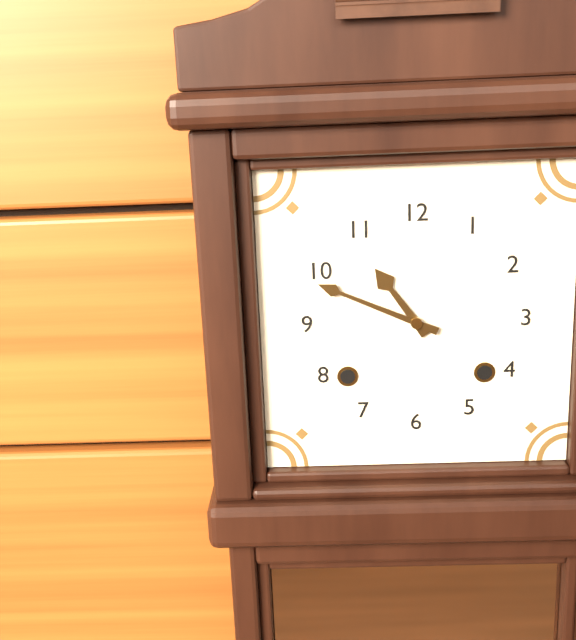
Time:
10.49
